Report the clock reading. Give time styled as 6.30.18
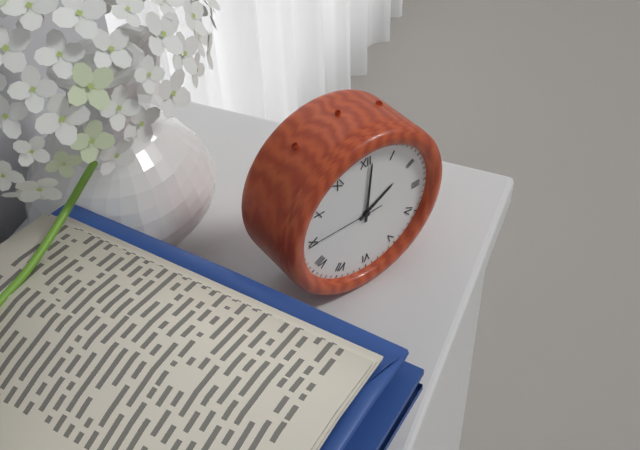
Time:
2.01.45
